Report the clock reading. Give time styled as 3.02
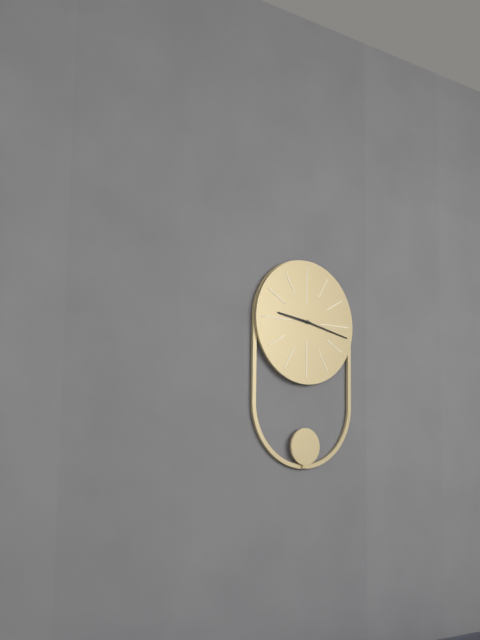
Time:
9.17
